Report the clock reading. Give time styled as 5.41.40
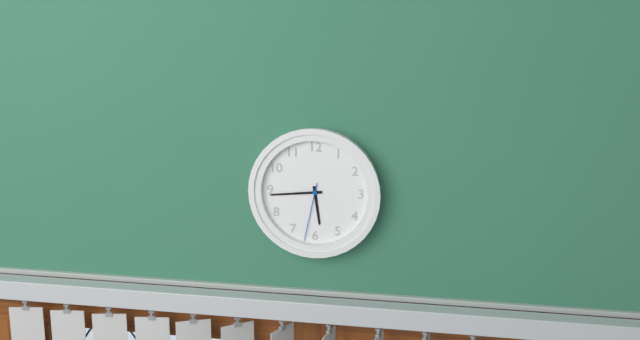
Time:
5.44.32
